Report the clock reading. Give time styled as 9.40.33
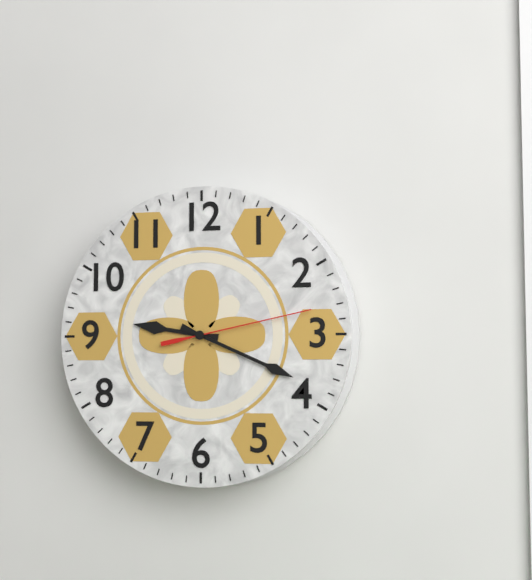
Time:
9.19.13
